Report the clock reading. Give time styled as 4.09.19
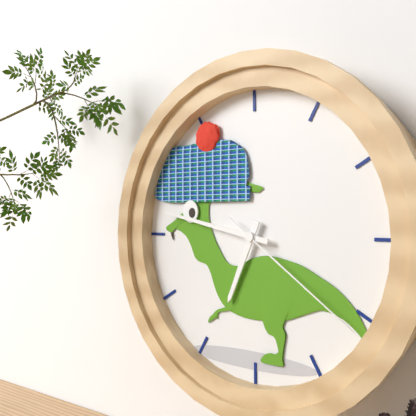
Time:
6.47.21
